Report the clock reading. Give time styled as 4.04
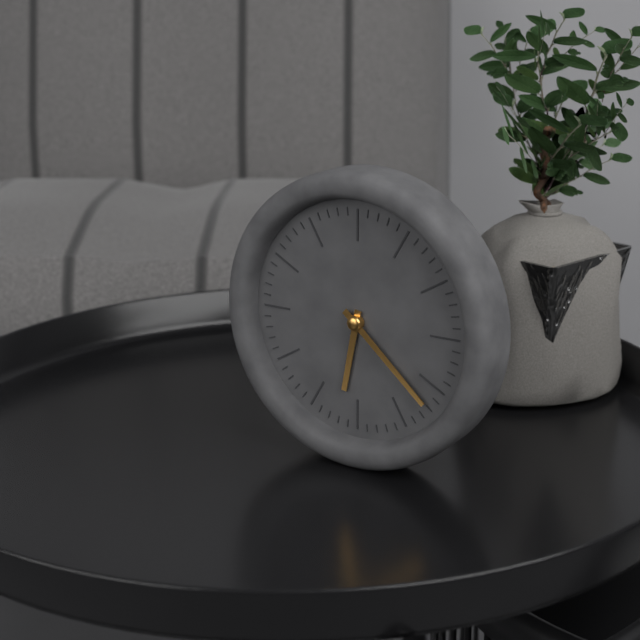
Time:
6.22
